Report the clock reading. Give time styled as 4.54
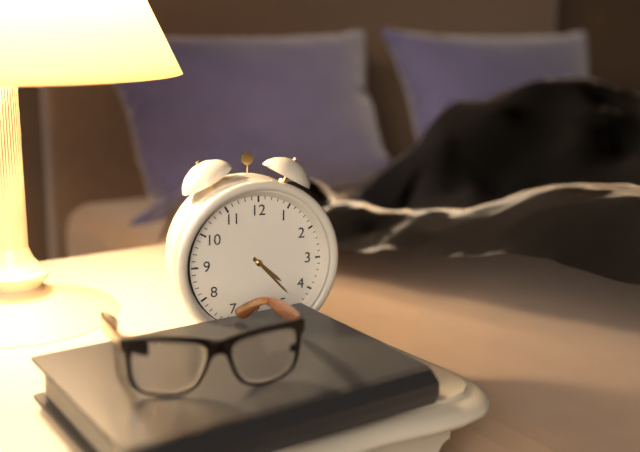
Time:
4.23
